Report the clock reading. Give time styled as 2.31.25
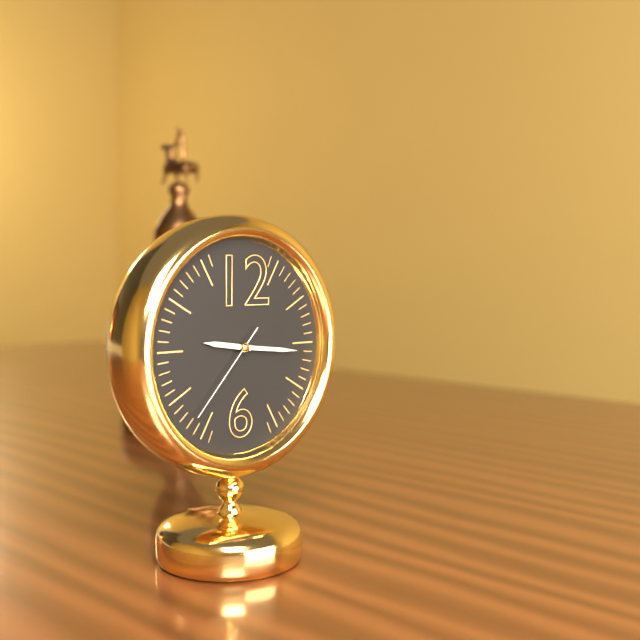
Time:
9.16.37
